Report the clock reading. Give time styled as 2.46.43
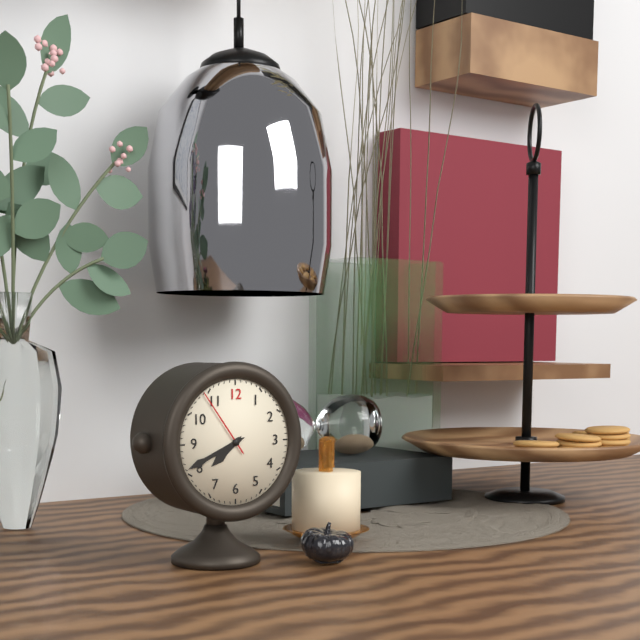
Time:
7.41.54
